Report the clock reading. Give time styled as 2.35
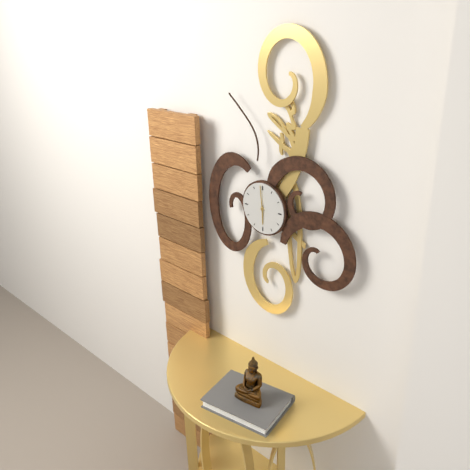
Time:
5.59
